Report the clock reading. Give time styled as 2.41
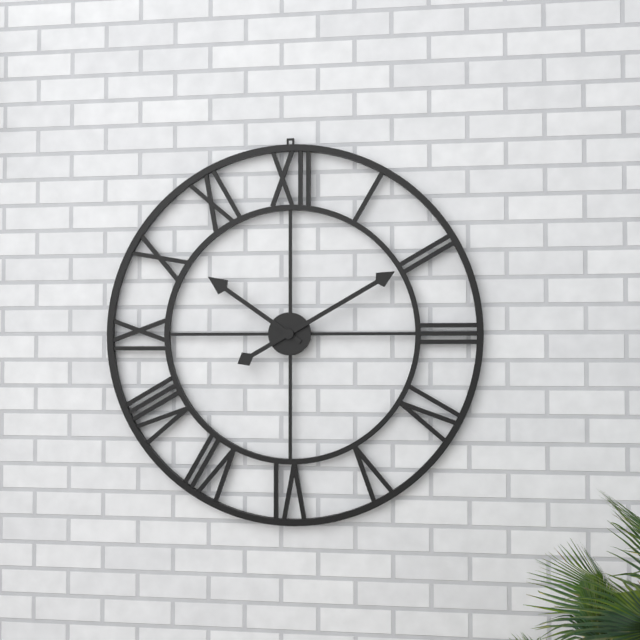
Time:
10.10
